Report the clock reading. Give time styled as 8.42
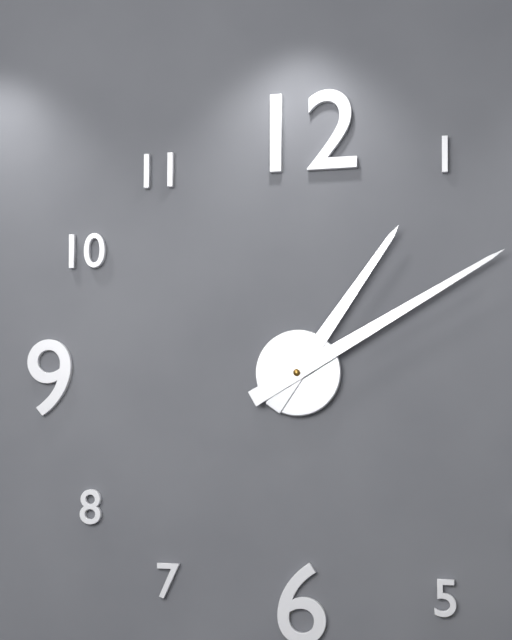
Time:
1.10
